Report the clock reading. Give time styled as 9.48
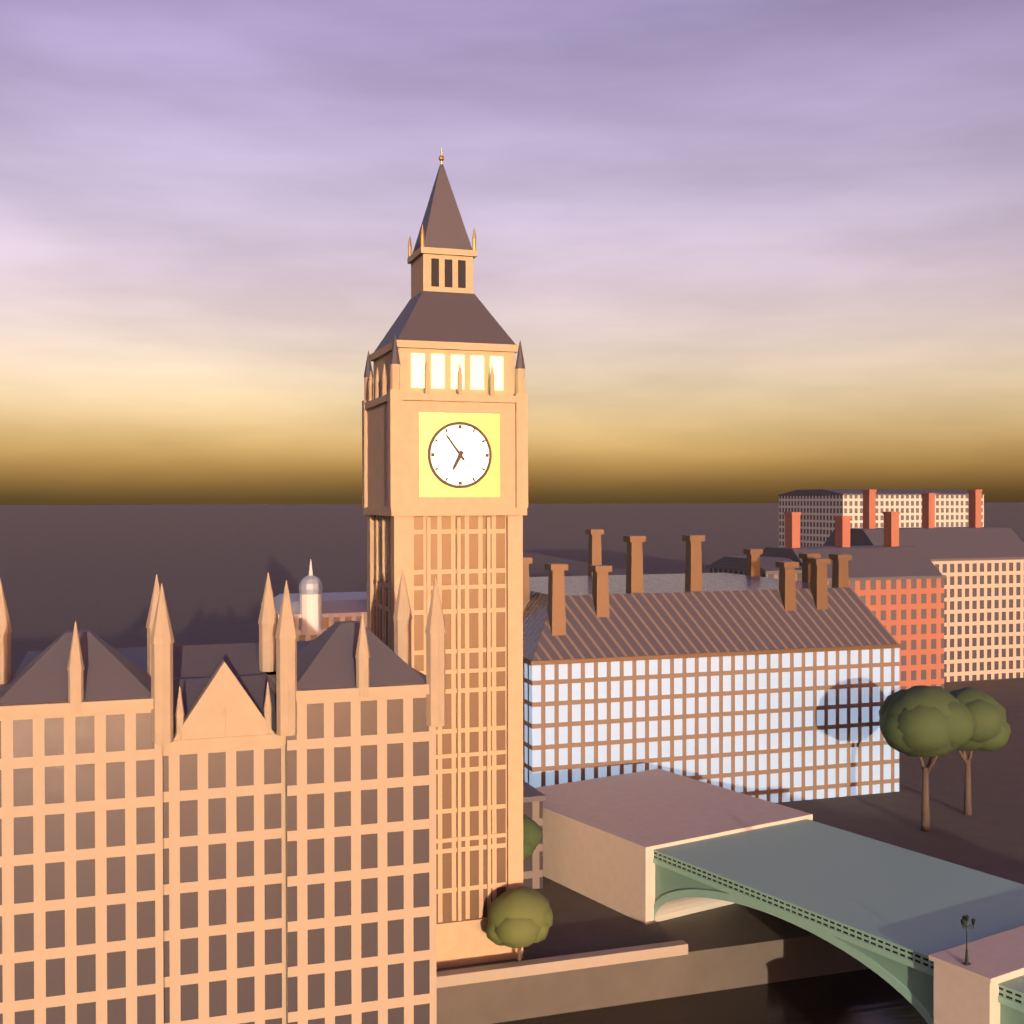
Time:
6.54
